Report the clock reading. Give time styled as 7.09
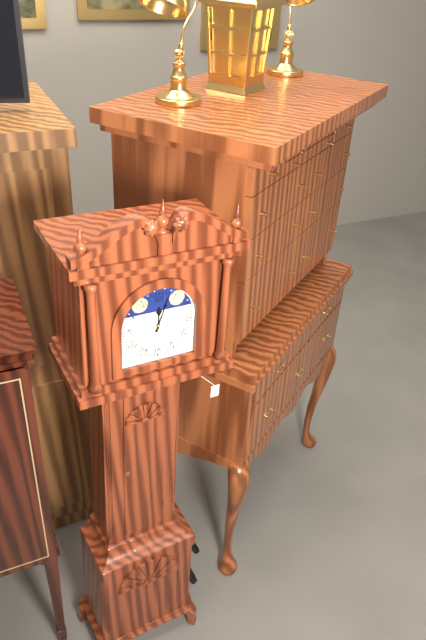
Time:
12.03
